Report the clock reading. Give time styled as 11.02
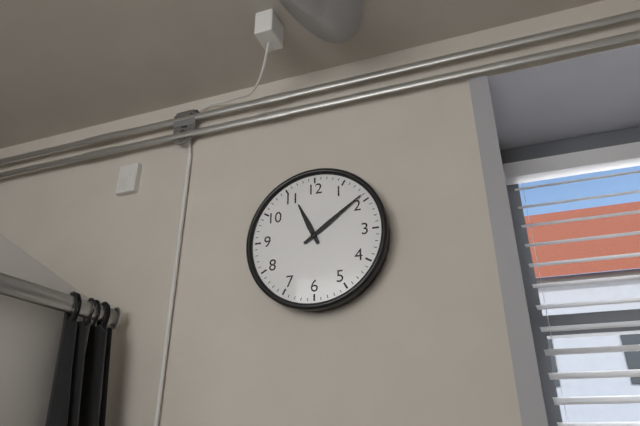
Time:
11.09
